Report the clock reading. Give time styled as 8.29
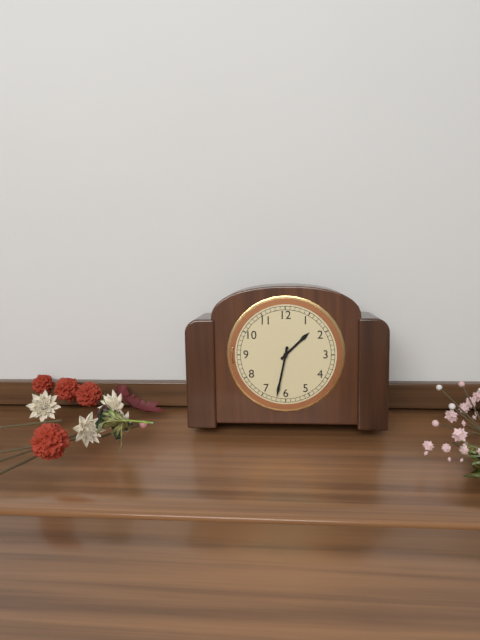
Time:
1.32
